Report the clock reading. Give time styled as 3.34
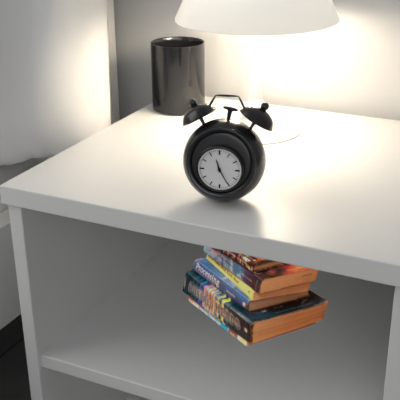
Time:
11.25
